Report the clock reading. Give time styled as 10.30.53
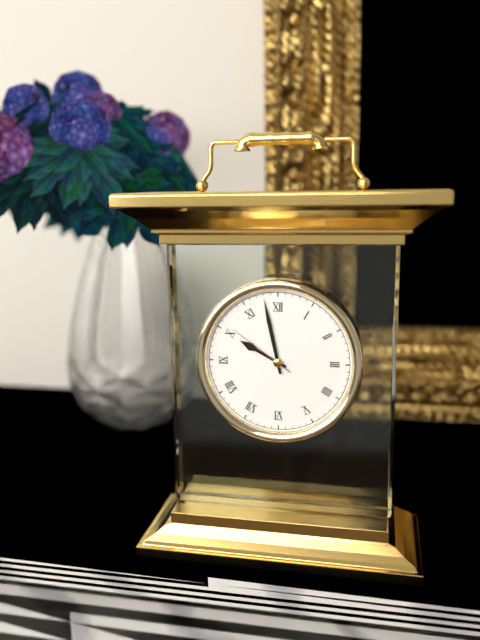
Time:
9.58.51
